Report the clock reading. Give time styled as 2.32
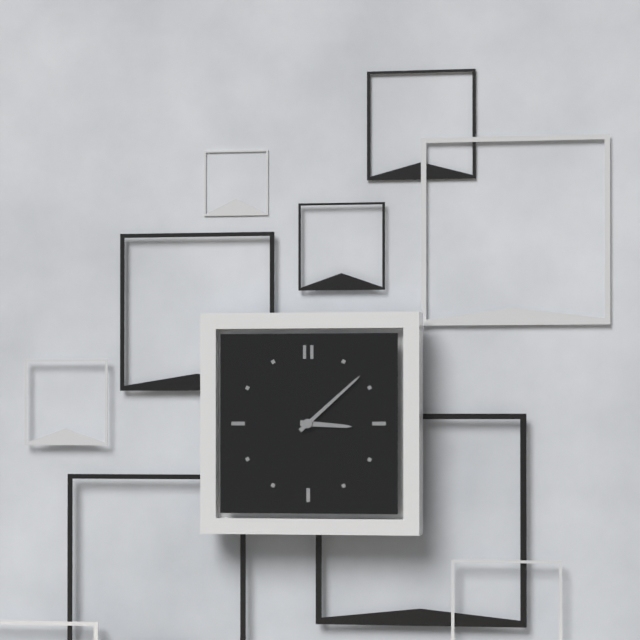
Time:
3.08
